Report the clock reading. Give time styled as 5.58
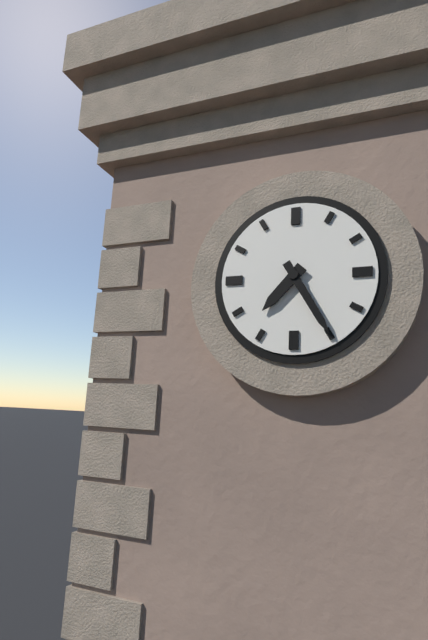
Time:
7.25
